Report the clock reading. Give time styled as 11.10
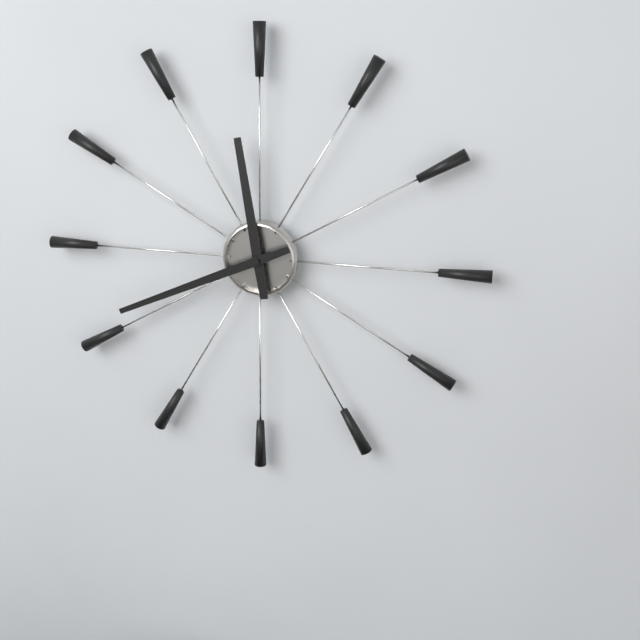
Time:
11.41
